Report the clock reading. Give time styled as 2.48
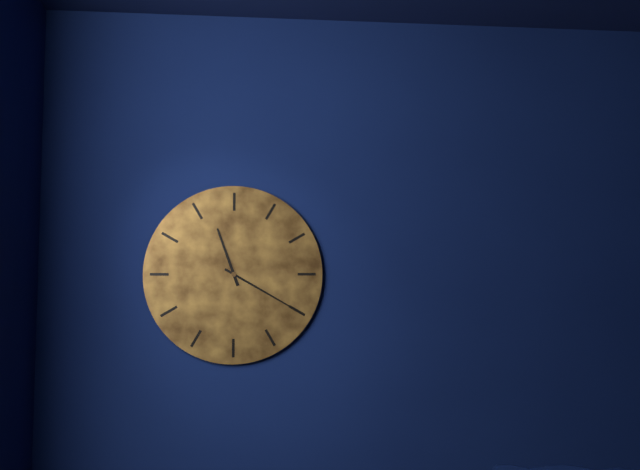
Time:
11.20
